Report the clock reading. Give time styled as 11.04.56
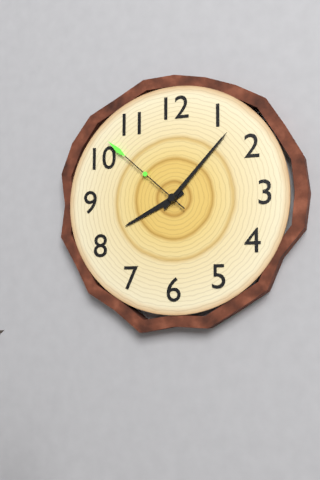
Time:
8.07.52
